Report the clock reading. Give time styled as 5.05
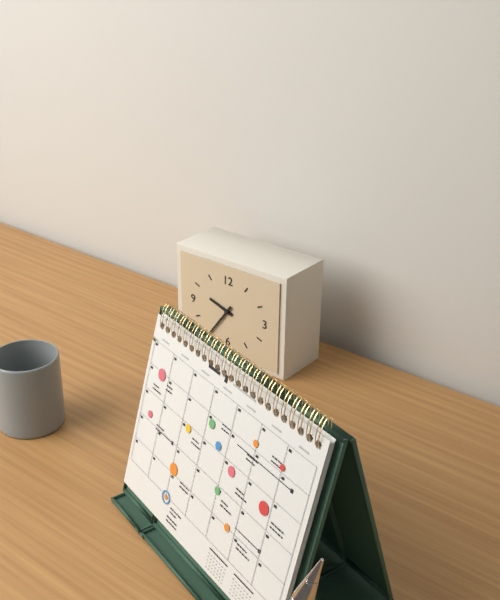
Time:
9.36
